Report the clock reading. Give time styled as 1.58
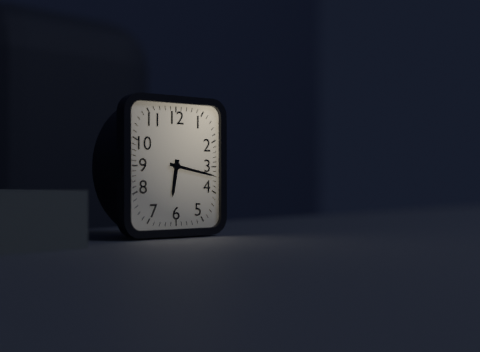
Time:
6.17
